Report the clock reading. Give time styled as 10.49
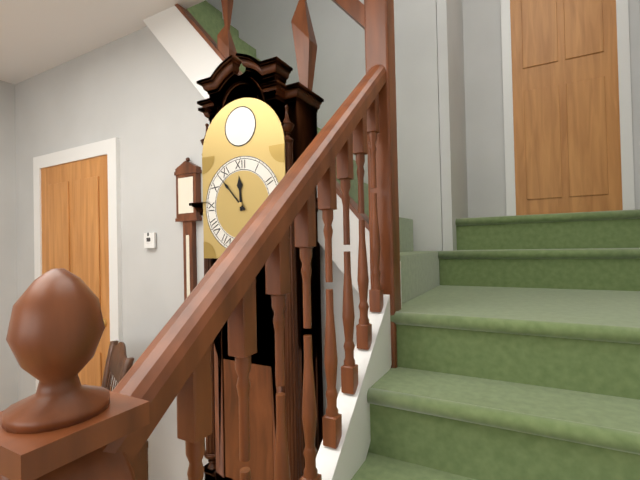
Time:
11.53
